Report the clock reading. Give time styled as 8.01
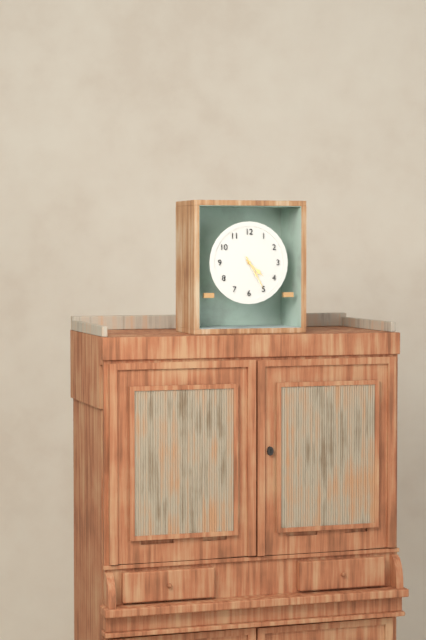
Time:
4.25
